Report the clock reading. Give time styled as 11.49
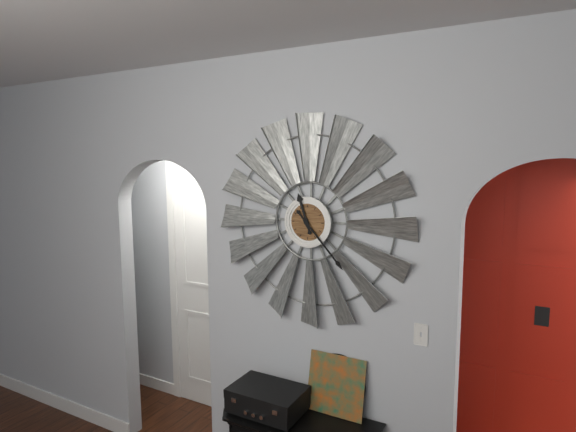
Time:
11.23
